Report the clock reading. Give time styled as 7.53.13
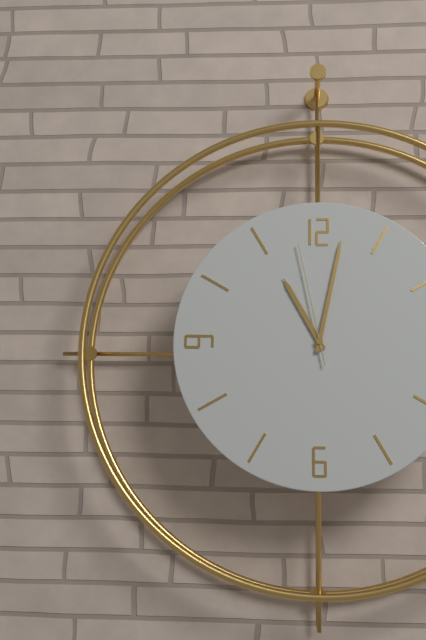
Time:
11.02.58
